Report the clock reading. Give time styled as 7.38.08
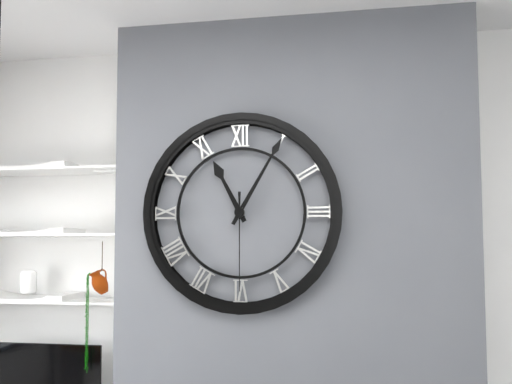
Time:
11.05.30
